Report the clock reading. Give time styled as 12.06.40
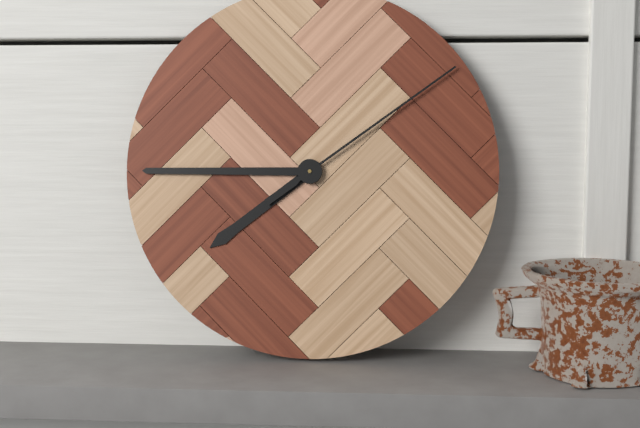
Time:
7.45.09
